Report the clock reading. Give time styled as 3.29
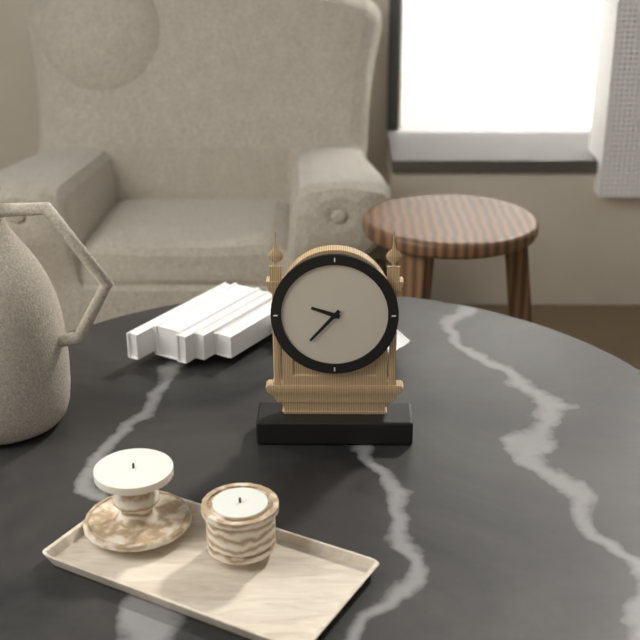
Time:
9.37
